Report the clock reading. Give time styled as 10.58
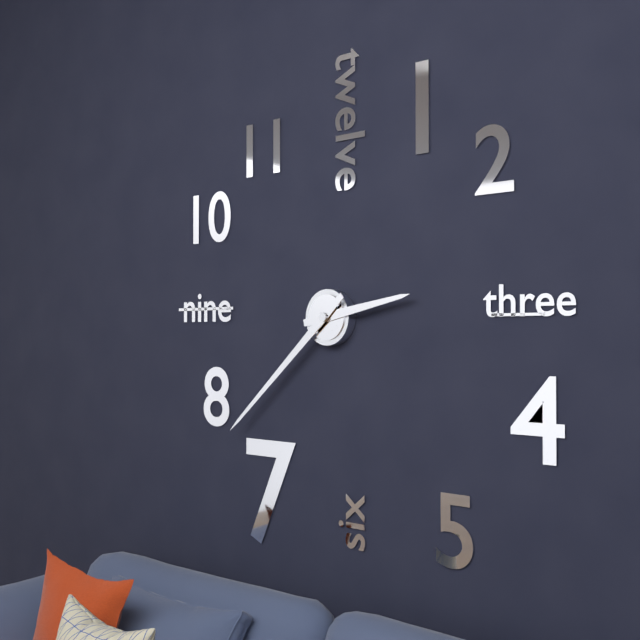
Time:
2.38
